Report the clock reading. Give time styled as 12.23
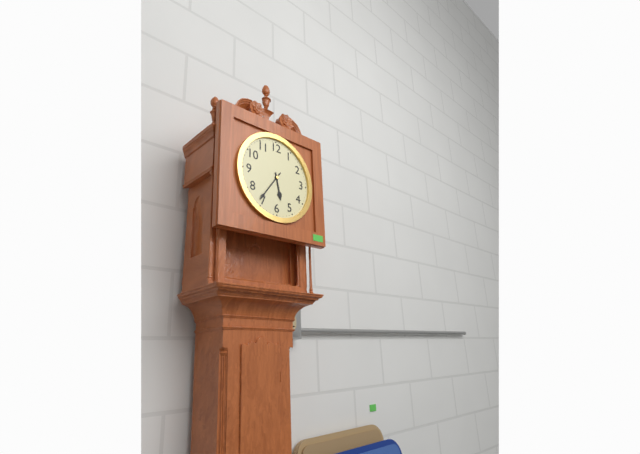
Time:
5.36
